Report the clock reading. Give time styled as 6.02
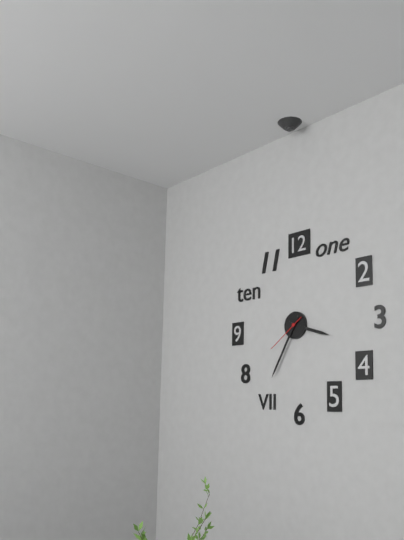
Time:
3.35
